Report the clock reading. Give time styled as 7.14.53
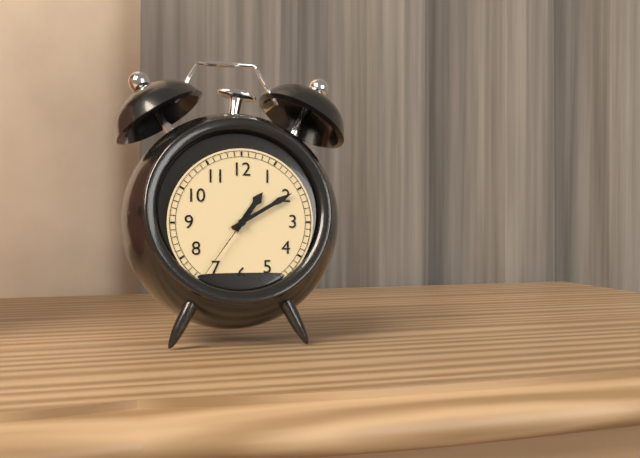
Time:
1.10.36
